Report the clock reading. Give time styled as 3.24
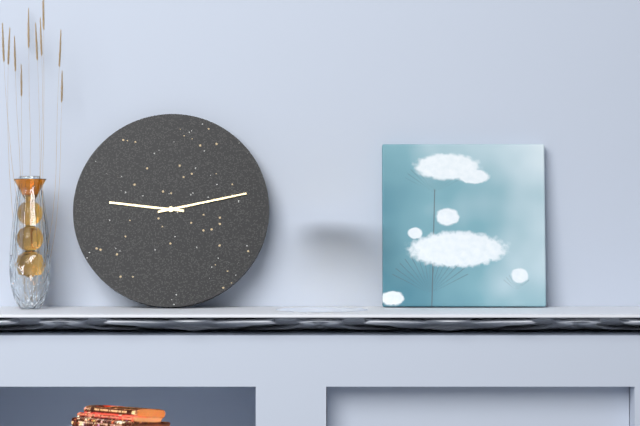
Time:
9.13
